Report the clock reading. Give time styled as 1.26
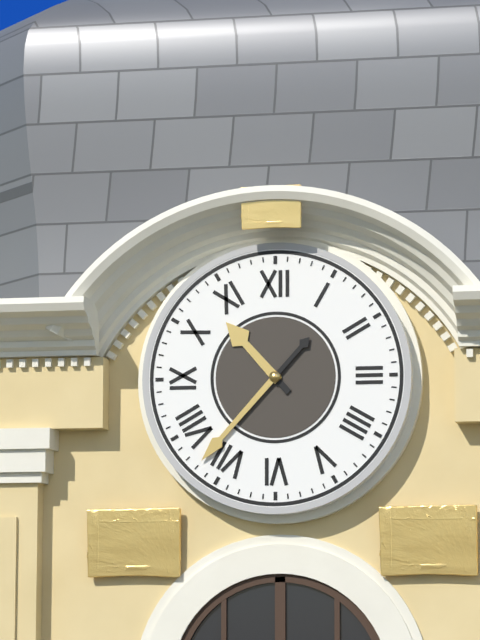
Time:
10.37
